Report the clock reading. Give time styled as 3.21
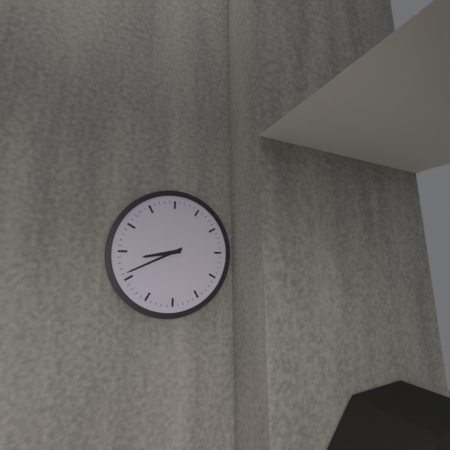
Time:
8.41
